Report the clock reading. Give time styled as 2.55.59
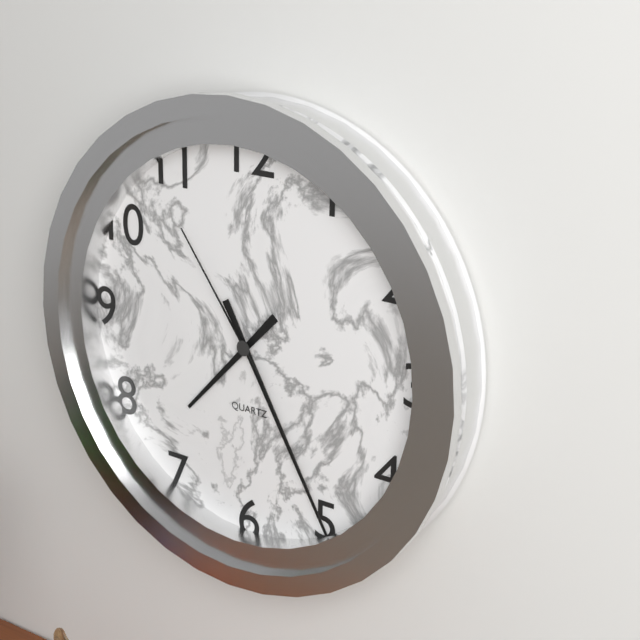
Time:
7.25.54
